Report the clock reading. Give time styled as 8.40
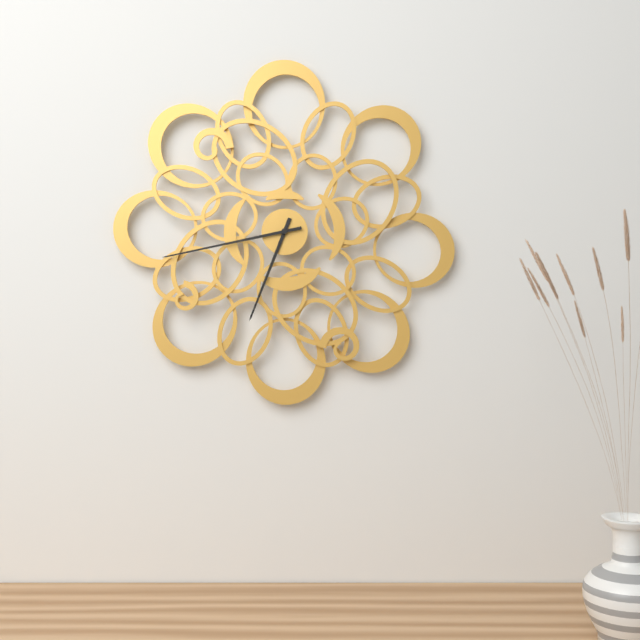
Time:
6.43
